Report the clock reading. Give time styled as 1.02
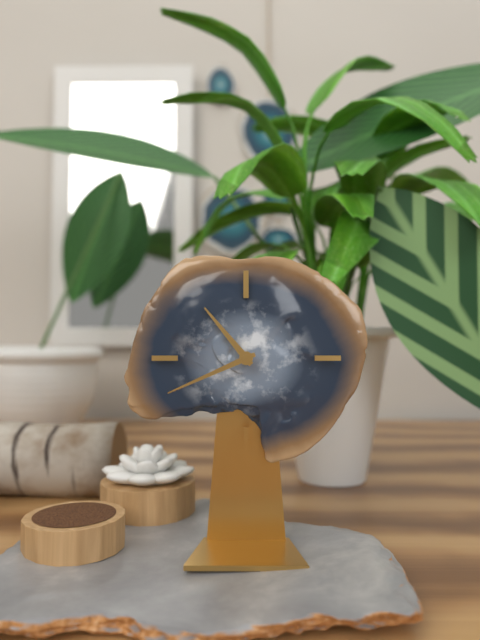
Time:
10.41
